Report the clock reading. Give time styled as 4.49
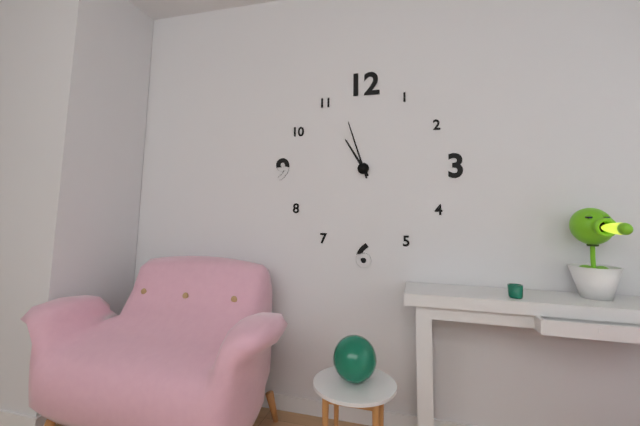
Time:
10.57
